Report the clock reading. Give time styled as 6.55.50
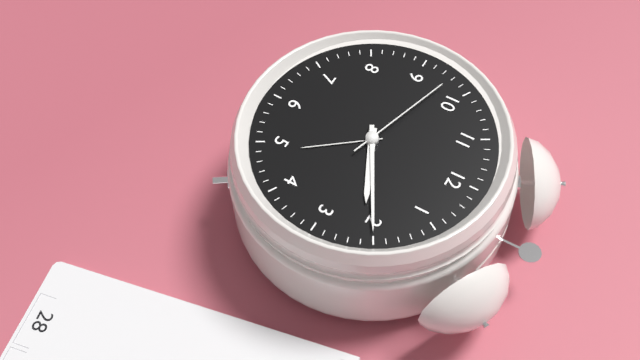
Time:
2.10.48
